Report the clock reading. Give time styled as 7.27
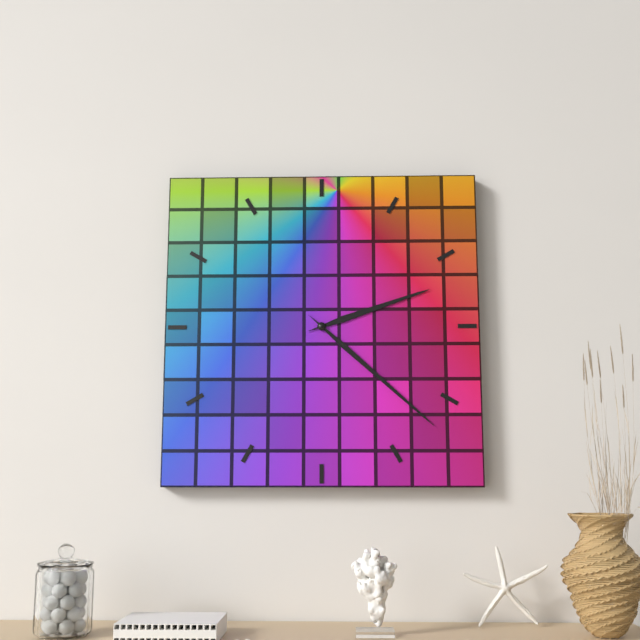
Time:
2.22
